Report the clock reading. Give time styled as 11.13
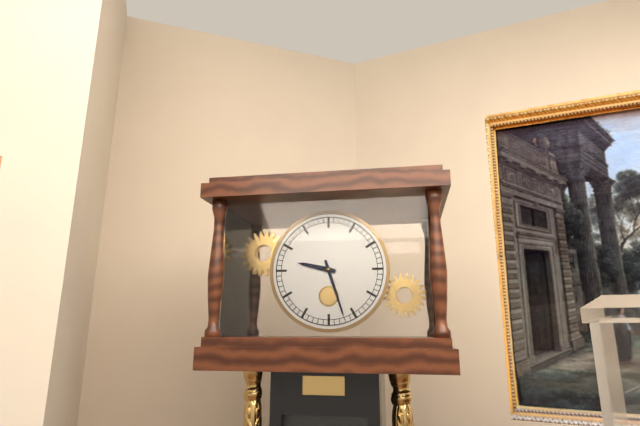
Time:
9.27
